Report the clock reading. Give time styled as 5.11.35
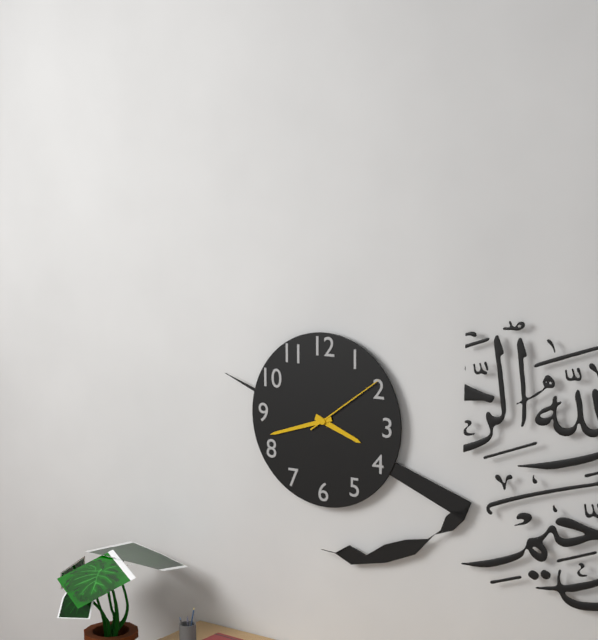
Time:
3.42.09
